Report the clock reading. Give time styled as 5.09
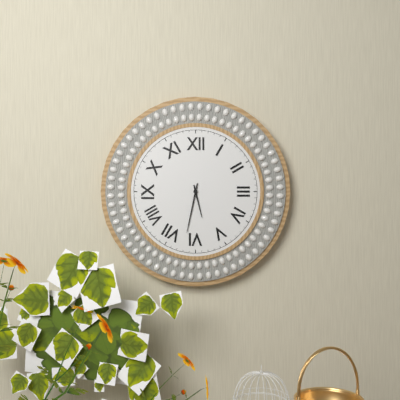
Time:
5.32
